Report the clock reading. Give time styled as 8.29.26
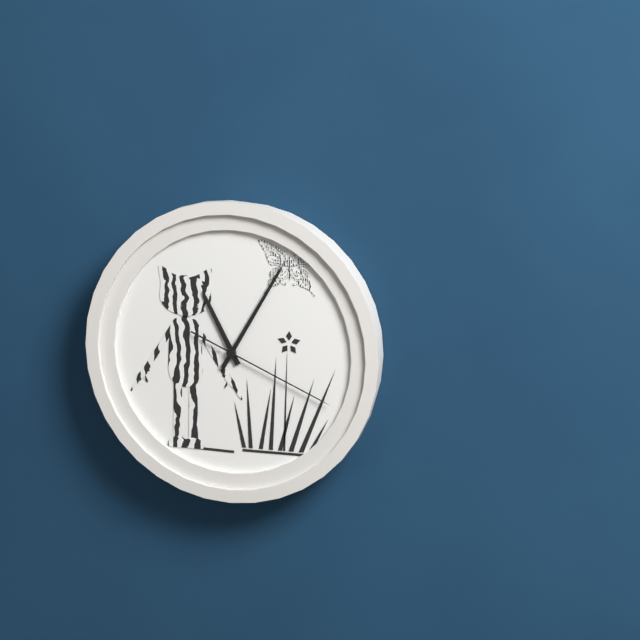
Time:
11.05.19
